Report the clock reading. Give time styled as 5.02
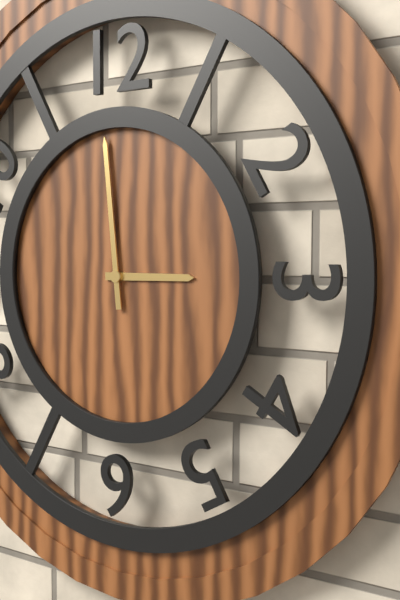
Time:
2.59
